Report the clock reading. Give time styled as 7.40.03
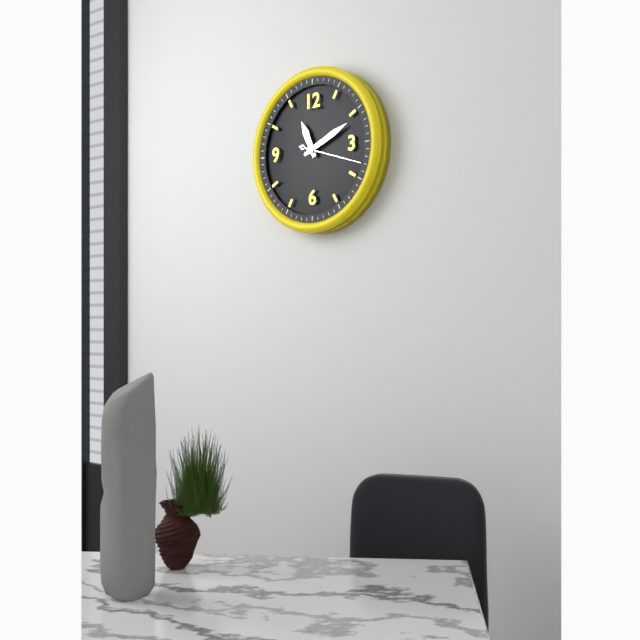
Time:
11.11.18
